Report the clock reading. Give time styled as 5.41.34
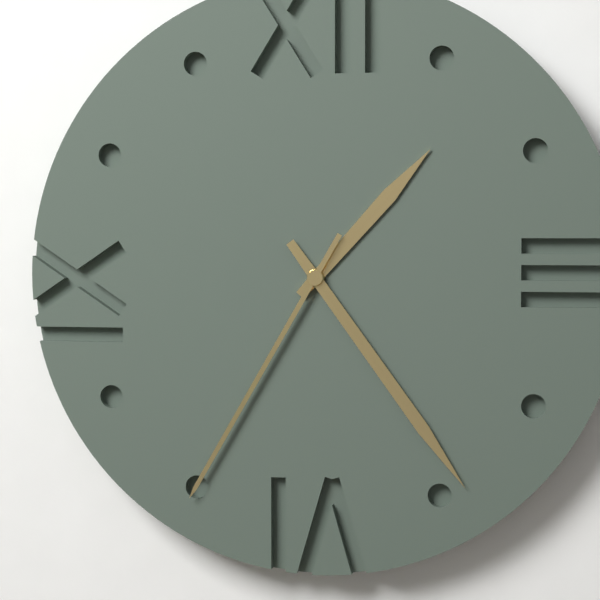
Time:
1.24.35
